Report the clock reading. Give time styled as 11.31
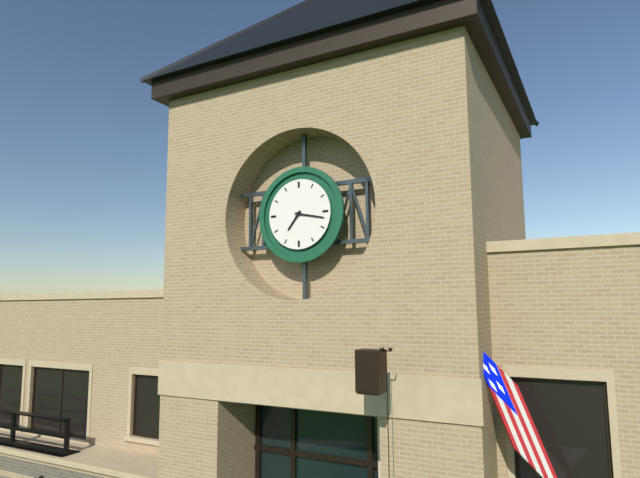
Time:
7.17
